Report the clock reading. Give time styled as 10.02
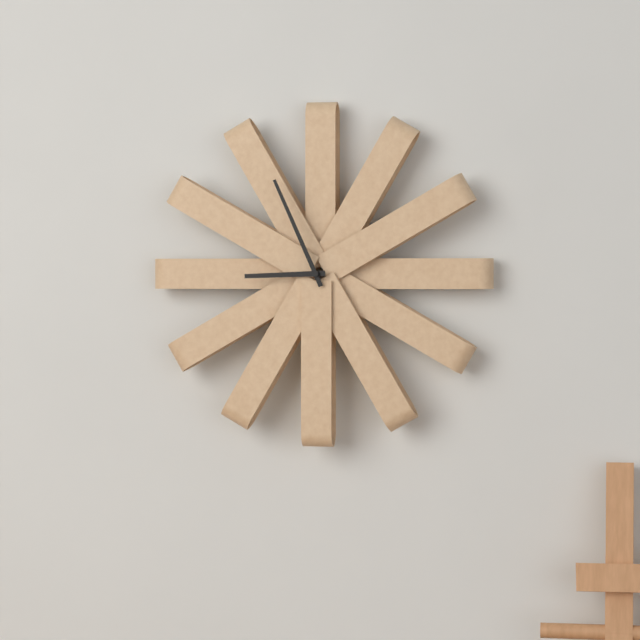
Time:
8.56
